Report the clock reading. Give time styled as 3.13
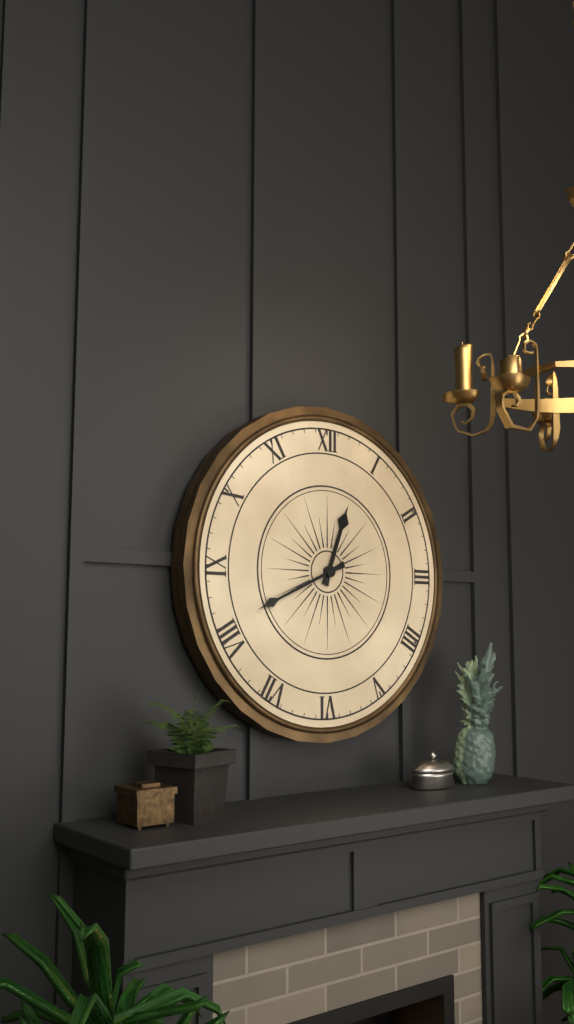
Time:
12.41
